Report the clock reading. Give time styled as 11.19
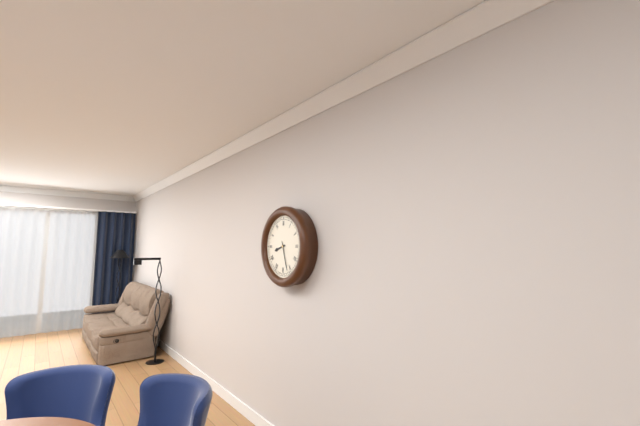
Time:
8.27
